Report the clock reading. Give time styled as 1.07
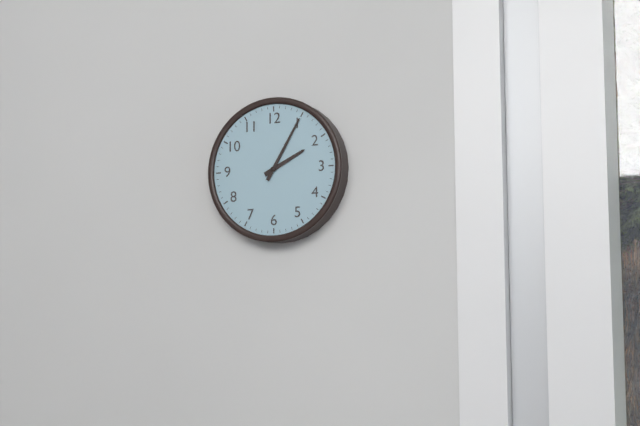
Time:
2.05
